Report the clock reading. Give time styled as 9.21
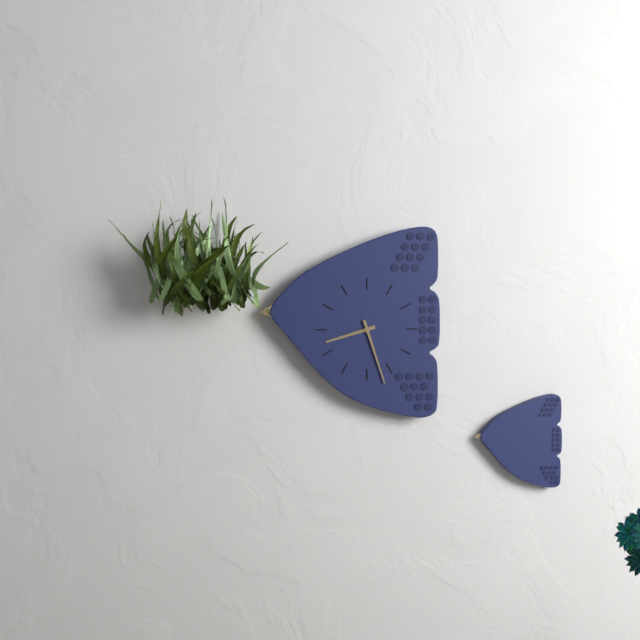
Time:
8.27
